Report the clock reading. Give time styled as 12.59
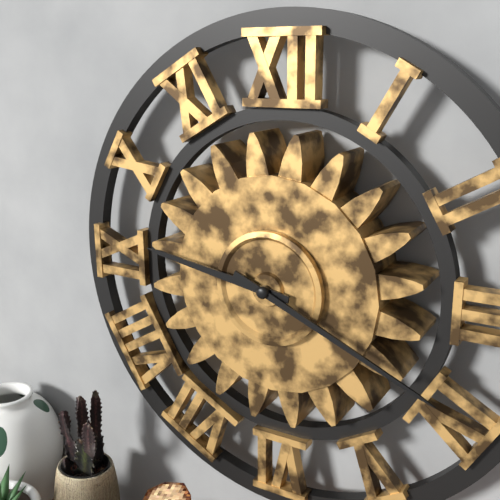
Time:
9.19
